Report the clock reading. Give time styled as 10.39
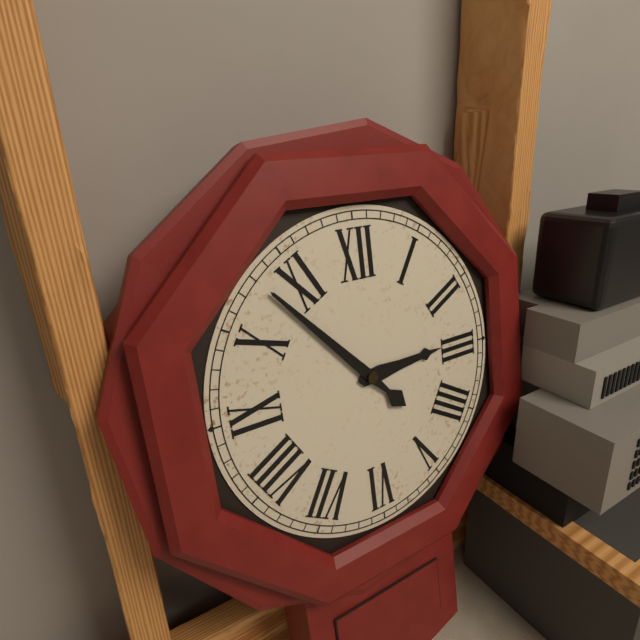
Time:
2.53
